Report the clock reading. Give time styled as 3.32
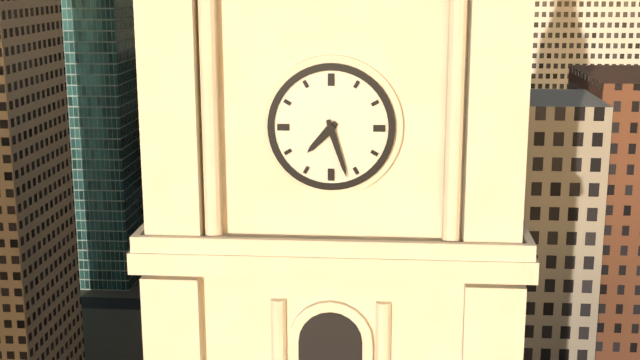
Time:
7.27
